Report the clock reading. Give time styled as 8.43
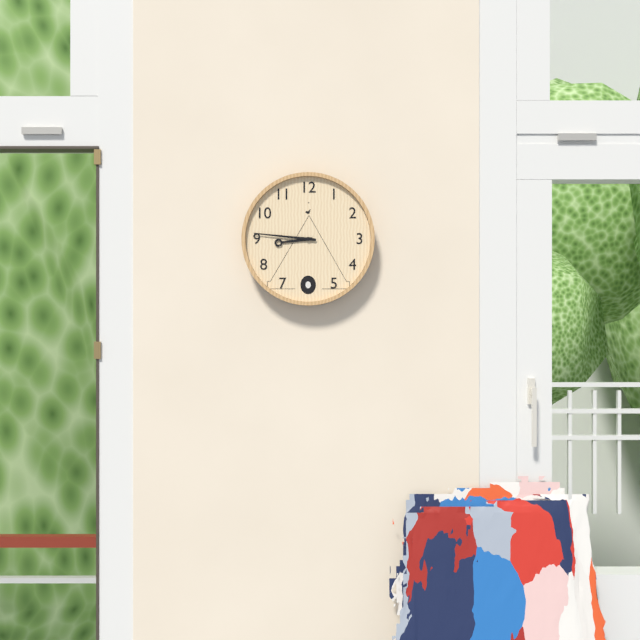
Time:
8.46
